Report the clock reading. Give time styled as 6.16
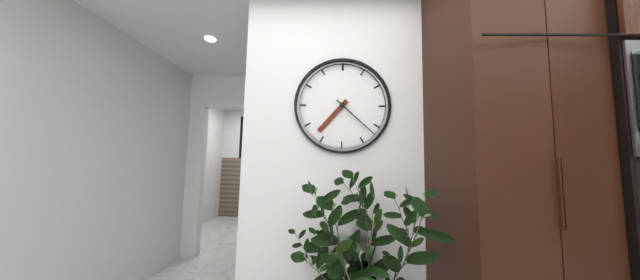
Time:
7.22
